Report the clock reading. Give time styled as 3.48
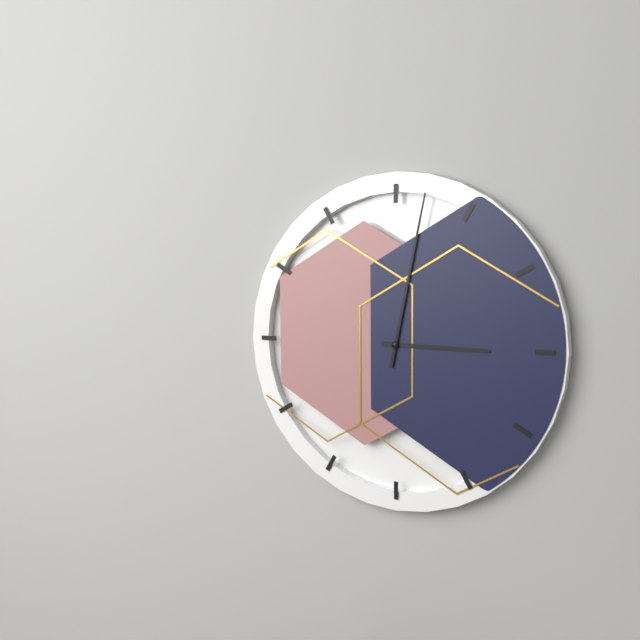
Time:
3.02
